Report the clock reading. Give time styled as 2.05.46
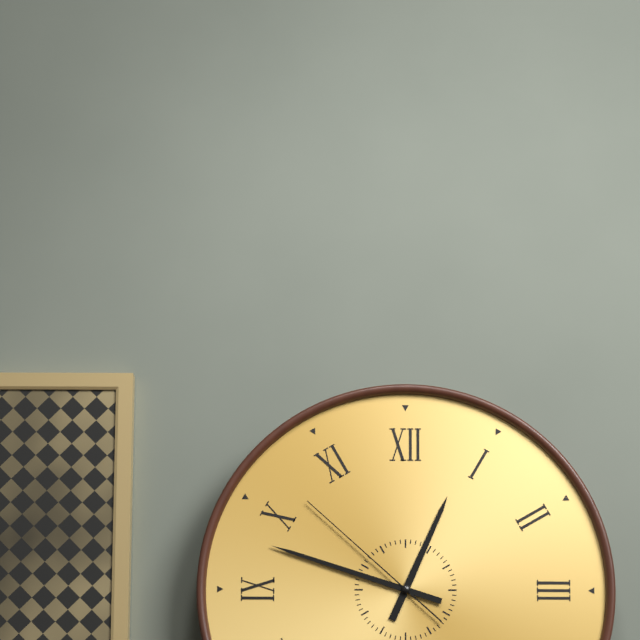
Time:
12.48.52
